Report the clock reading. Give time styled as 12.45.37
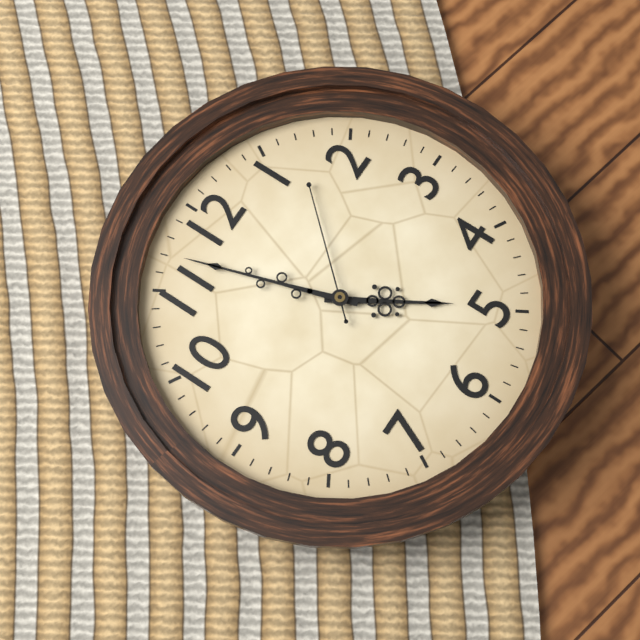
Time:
4.57.07
